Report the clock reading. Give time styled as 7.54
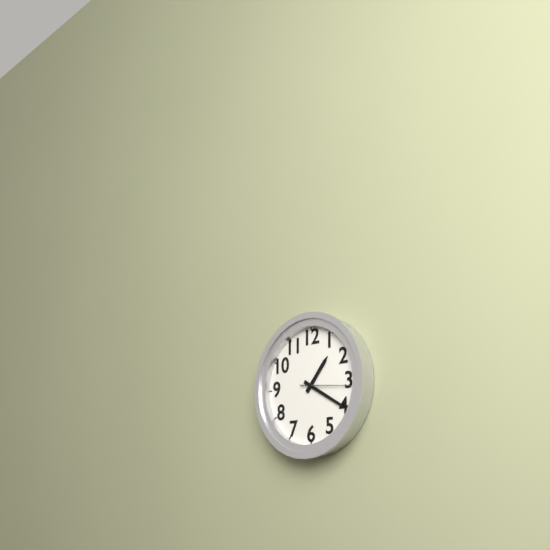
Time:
1.20
